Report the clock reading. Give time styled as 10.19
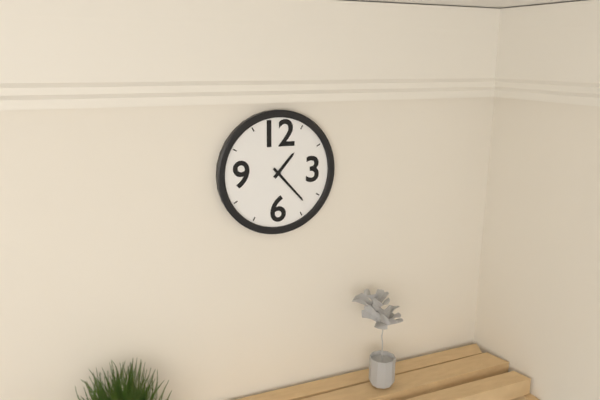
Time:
1.23
